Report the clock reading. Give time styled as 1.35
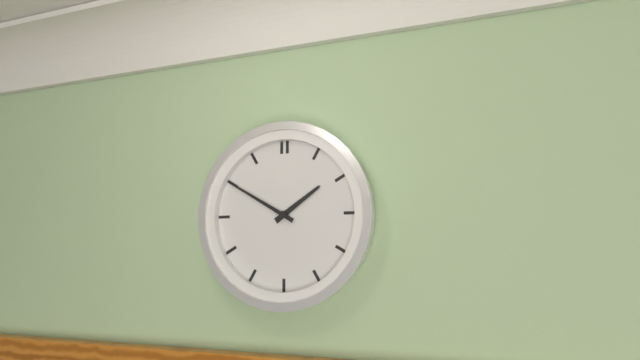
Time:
1.50
